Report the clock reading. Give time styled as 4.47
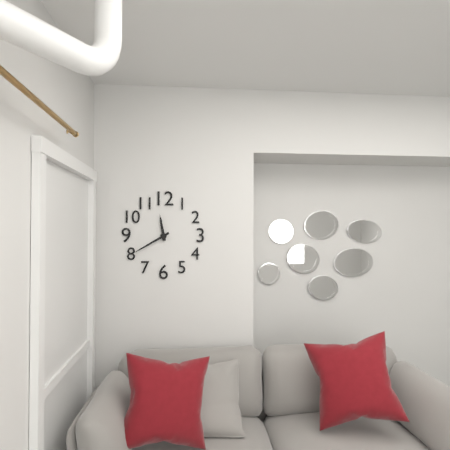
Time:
11.40
